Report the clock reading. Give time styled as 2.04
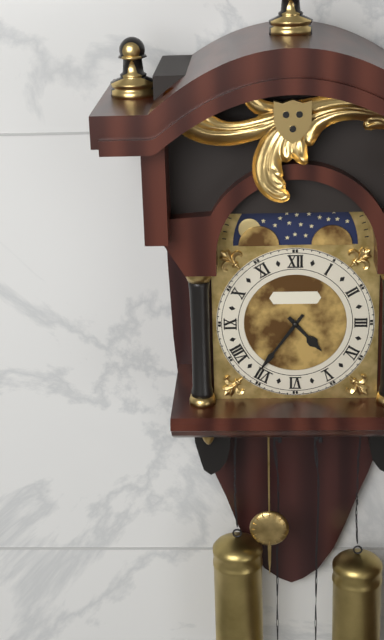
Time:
4.36
